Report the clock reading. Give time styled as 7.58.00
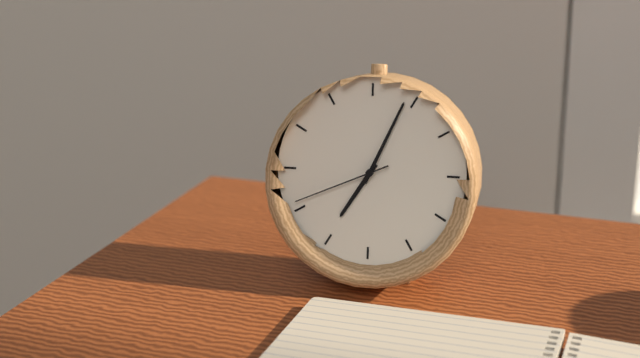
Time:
7.04.41
